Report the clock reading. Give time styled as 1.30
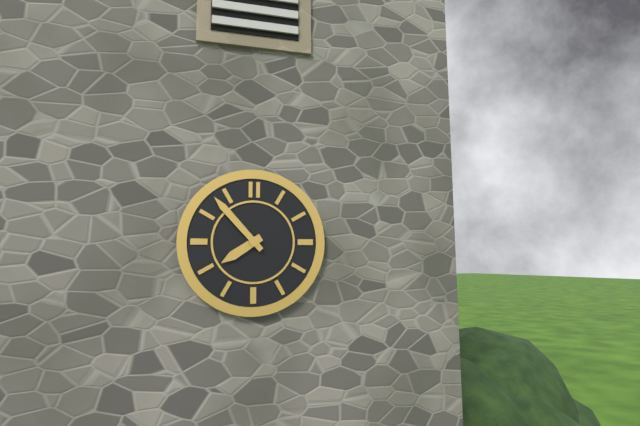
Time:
7.53
